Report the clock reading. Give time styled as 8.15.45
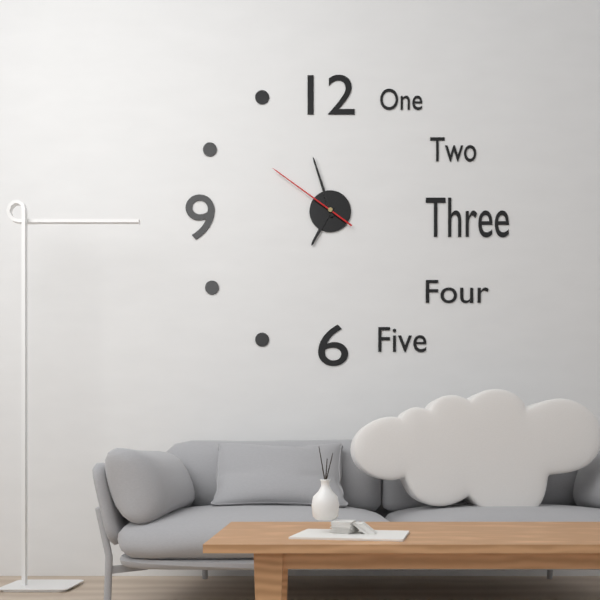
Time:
6.57.51
